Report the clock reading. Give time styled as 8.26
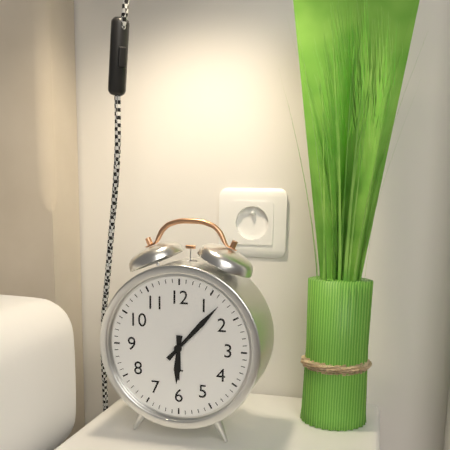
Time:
6.07
